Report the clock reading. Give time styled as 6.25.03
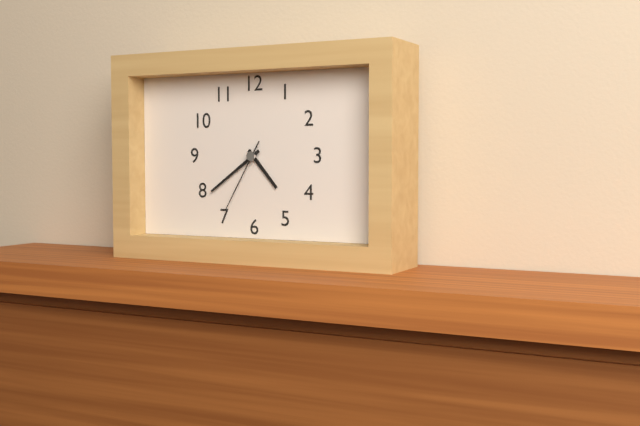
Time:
4.39.35
